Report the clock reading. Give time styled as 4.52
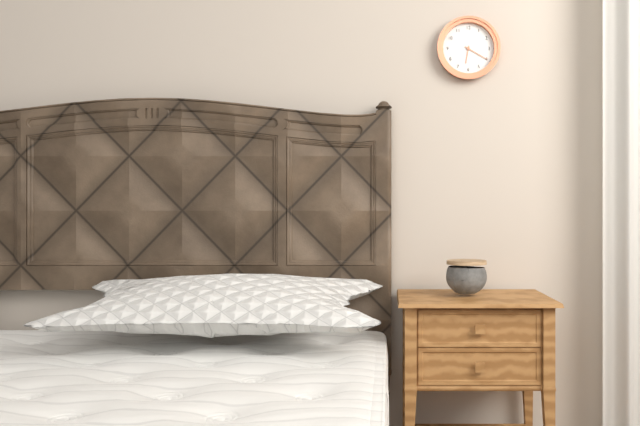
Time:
6.20
